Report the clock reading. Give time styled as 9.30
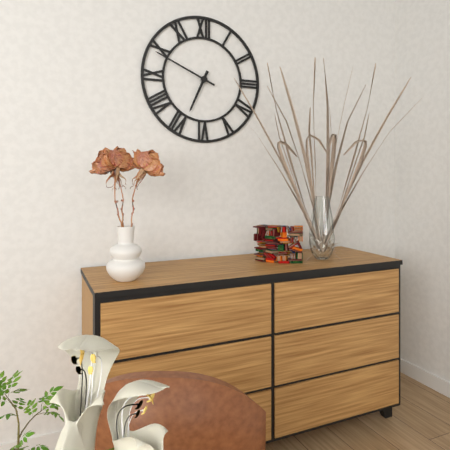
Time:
6.49
